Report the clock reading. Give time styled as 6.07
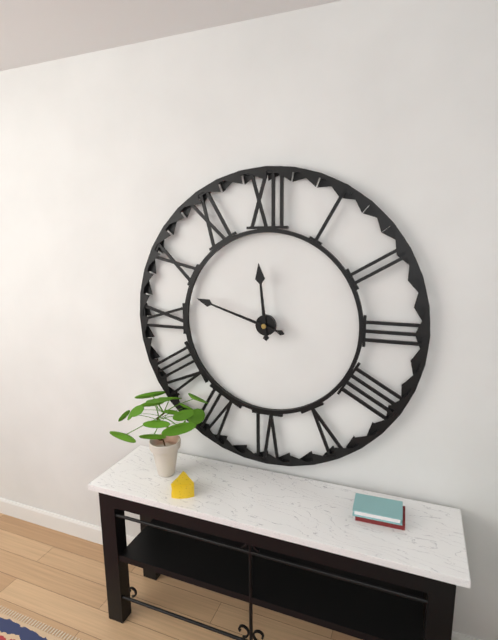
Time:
11.48
